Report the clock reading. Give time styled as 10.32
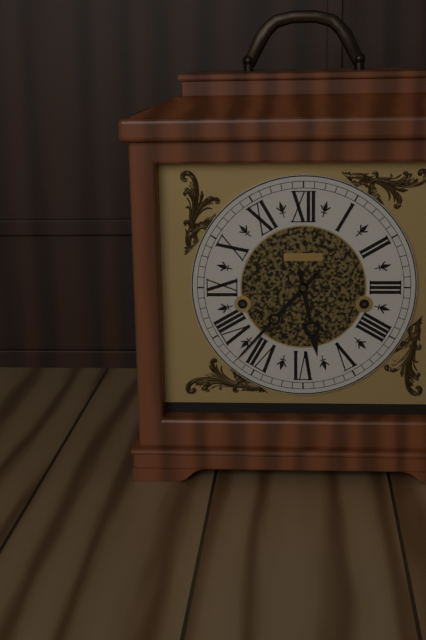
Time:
5.37
